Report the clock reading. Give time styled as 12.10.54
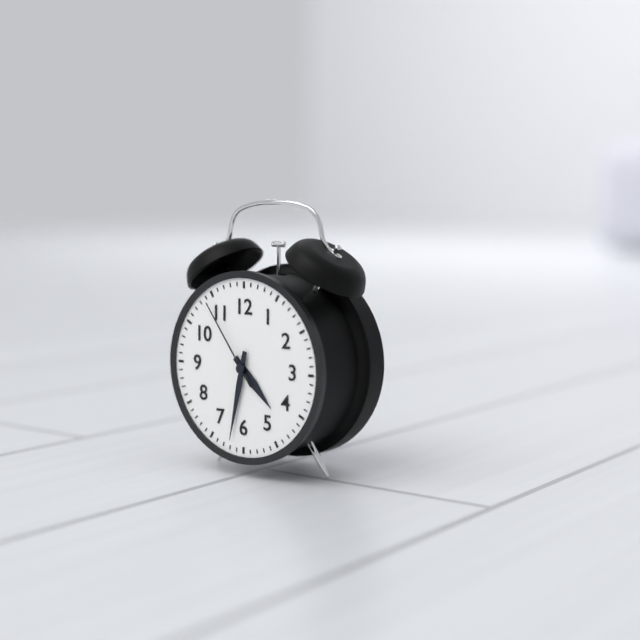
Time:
4.32.54
